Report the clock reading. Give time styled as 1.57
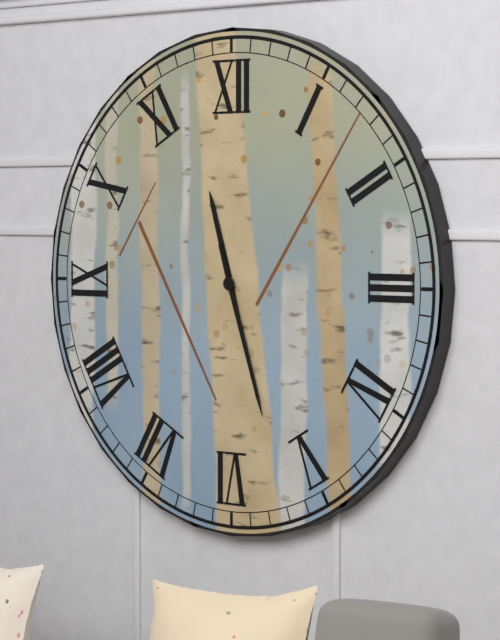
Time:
11.27
